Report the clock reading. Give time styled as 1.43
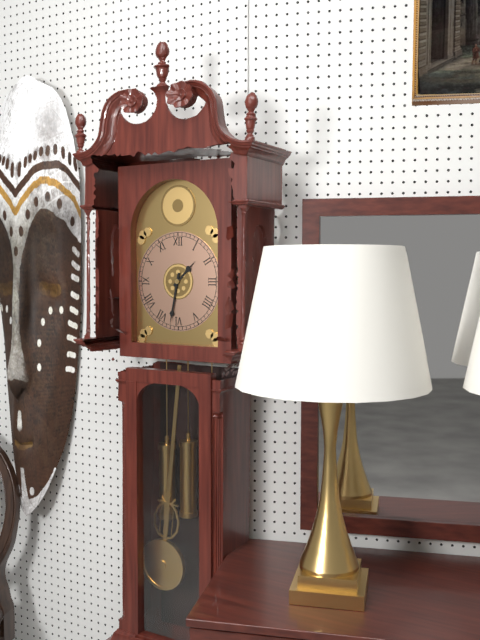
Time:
1.32
